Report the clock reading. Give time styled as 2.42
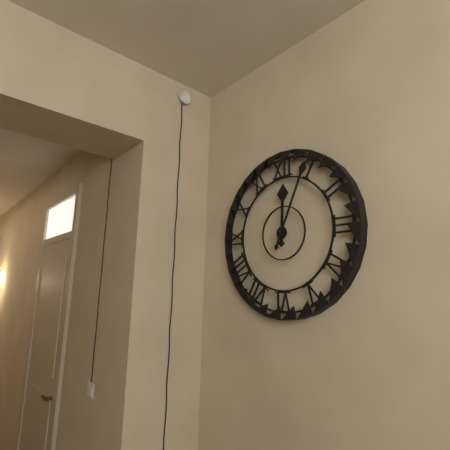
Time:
12.04
